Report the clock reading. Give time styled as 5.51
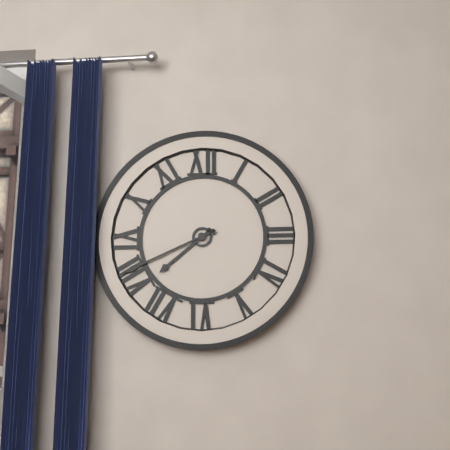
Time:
7.41
